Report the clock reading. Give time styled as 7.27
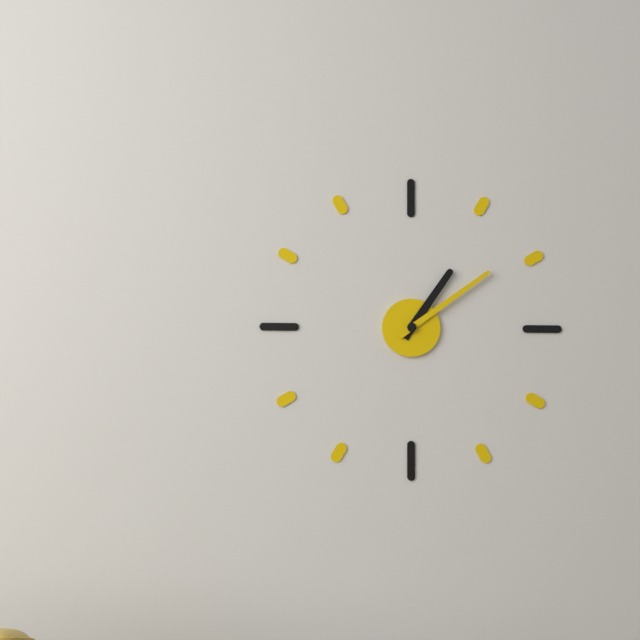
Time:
1.09
